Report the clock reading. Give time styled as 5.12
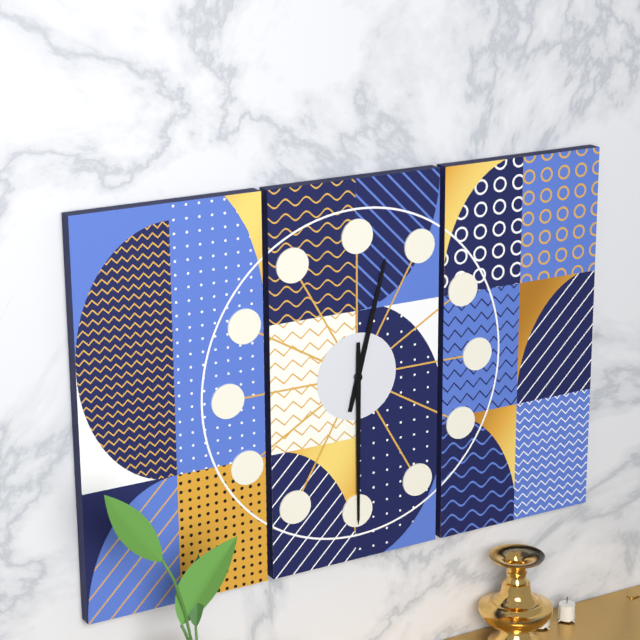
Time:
12.30
